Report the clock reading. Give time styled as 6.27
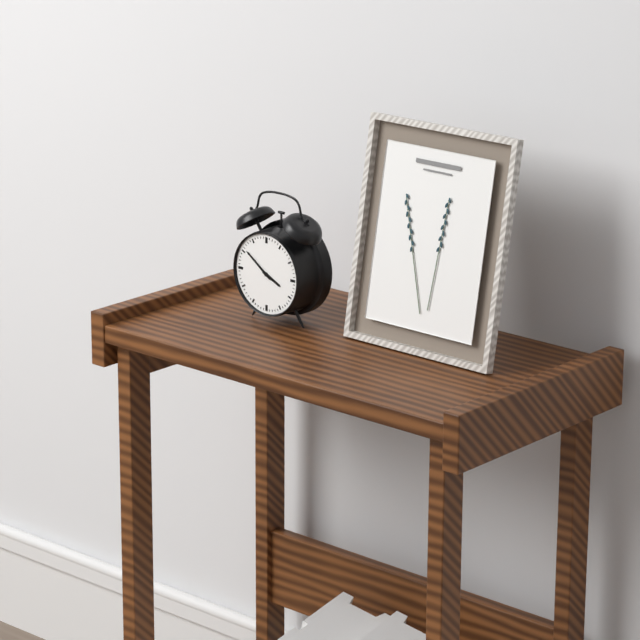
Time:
3.51
